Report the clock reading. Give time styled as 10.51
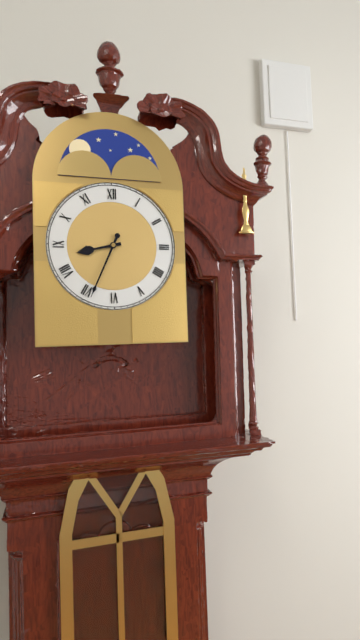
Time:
8.34
